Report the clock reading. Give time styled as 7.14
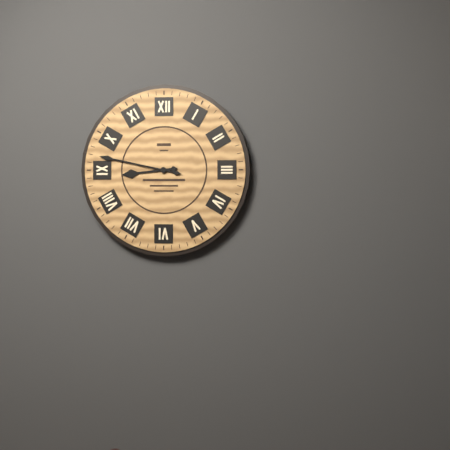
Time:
8.47
